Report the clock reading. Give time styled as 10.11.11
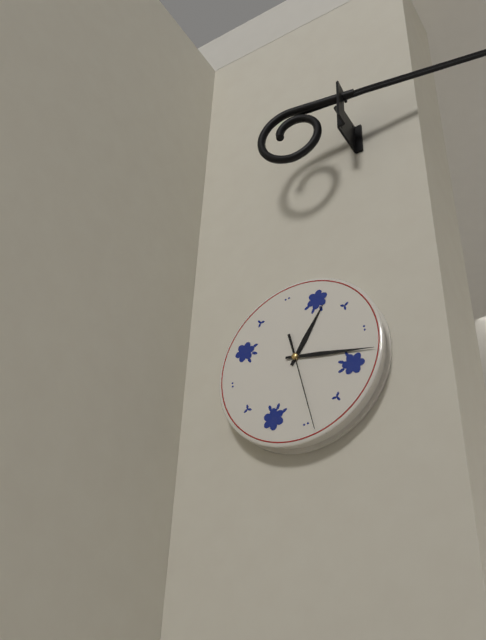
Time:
1.18.29
